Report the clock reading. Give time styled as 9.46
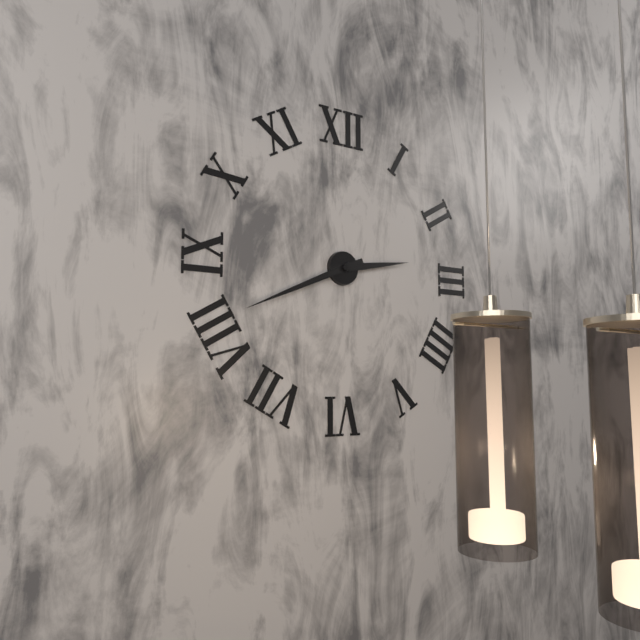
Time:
2.41
